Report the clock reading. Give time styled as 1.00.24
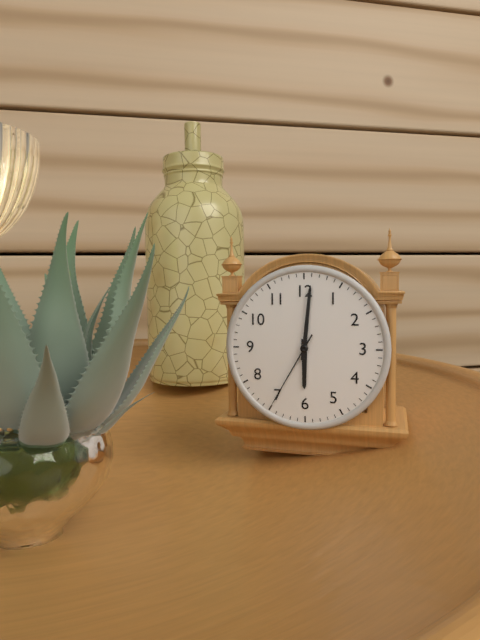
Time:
6.01.35
